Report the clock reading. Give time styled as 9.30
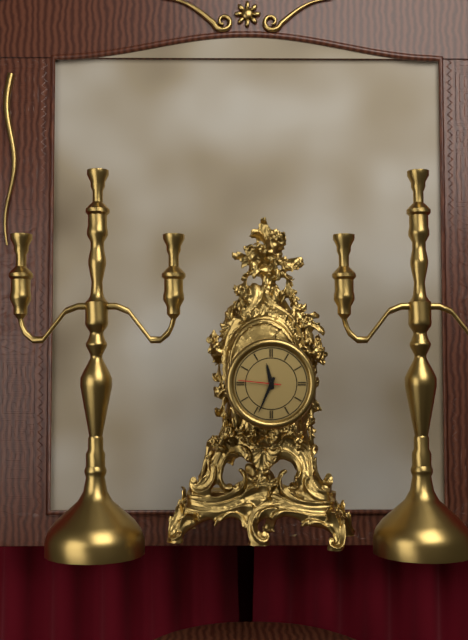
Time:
11.34
